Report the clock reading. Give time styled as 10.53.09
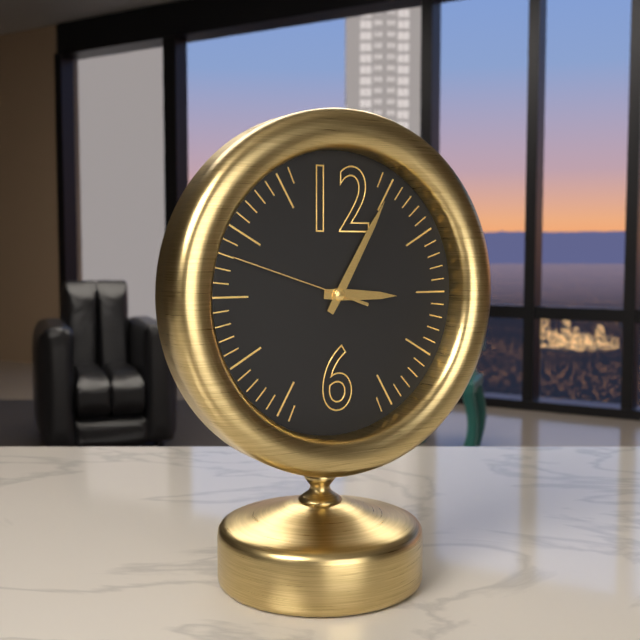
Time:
3.05.48
